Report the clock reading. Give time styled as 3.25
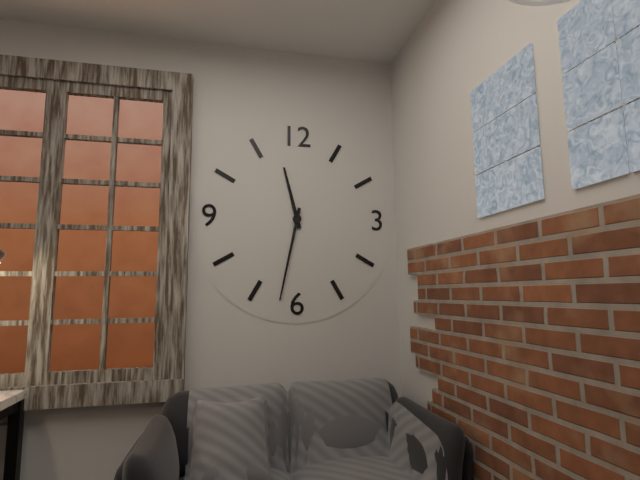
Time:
11.32
